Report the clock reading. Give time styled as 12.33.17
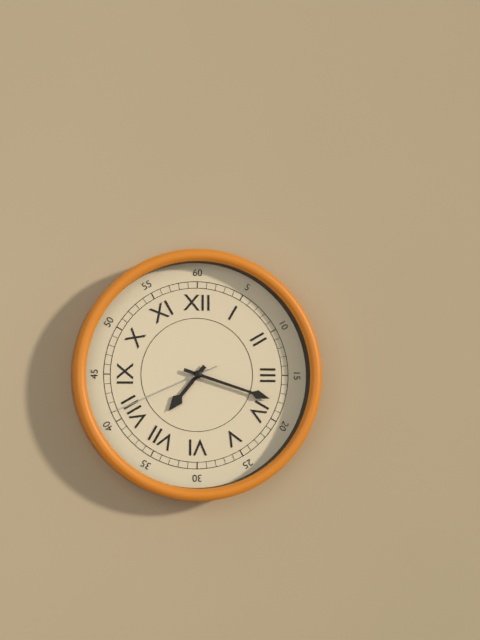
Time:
7.18.41
